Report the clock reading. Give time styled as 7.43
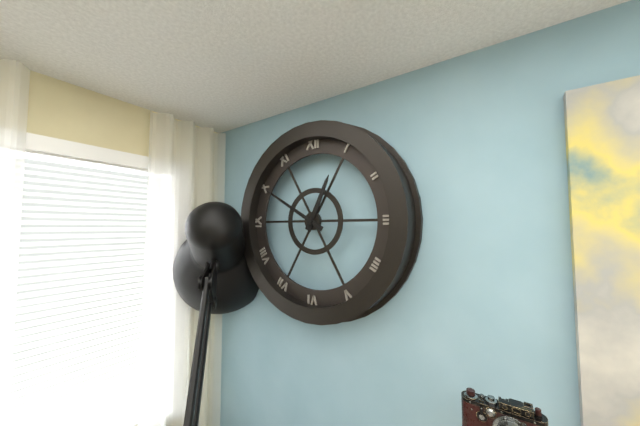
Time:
12.50
